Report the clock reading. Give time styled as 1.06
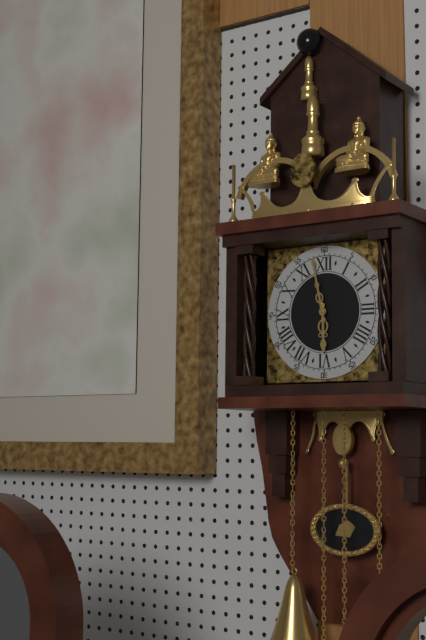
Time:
5.58
